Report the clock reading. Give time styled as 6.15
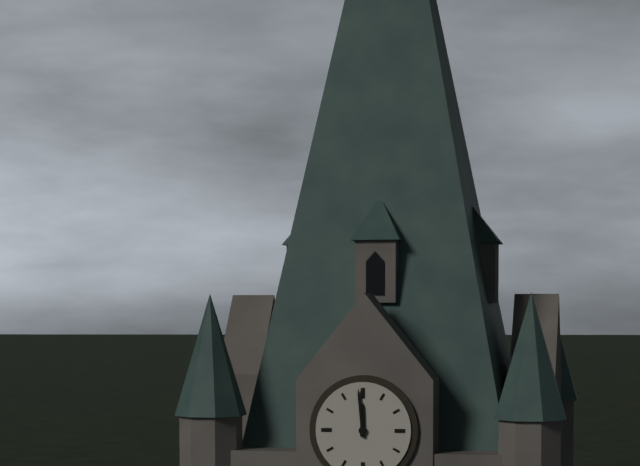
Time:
11.59
